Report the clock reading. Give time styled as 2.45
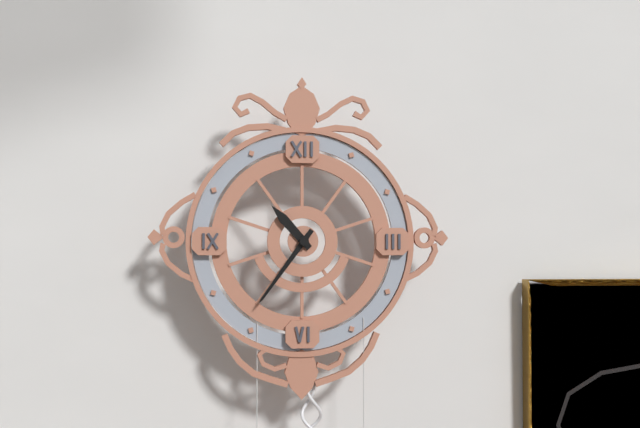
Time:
10.36
